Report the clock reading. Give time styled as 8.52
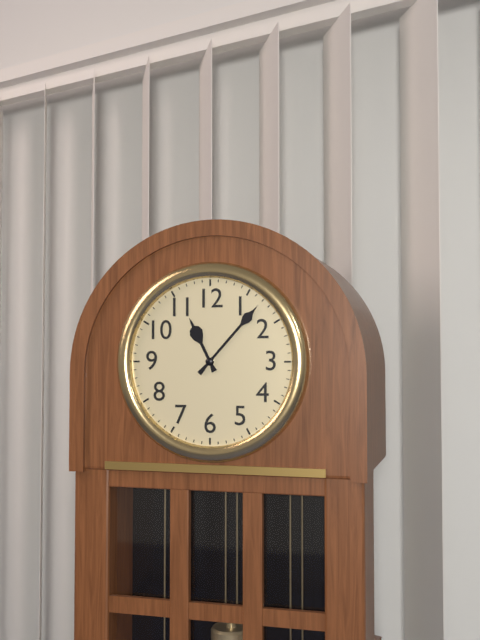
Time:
11.07
